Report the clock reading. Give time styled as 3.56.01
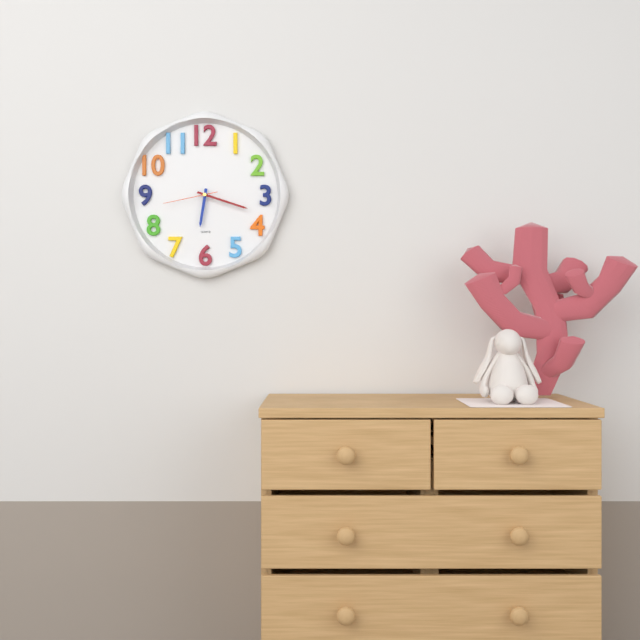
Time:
6.18.43
